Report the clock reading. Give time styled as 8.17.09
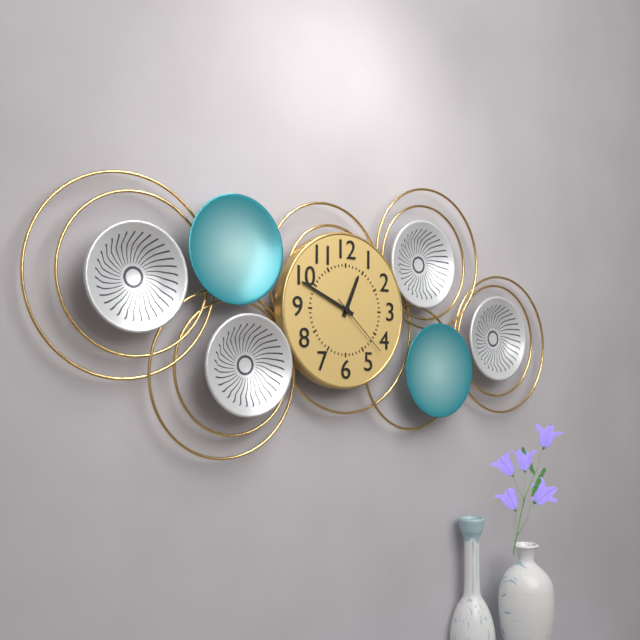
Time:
12.49.22
